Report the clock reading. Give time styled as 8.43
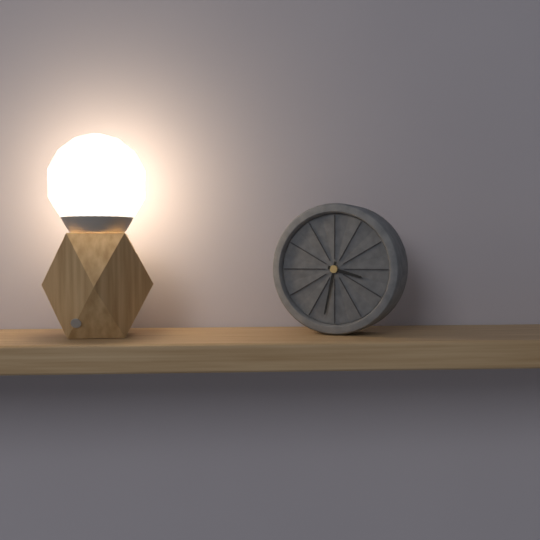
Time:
3.32
